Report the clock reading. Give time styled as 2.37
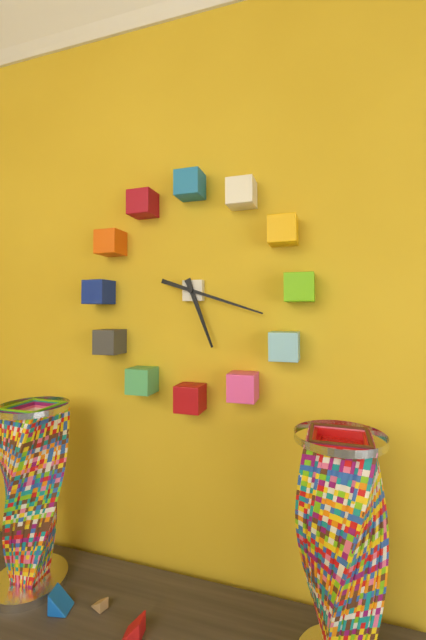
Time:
5.18
